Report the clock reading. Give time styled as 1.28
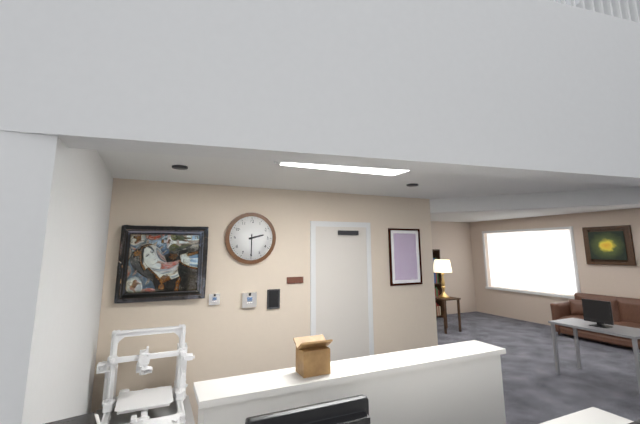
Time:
2.30
